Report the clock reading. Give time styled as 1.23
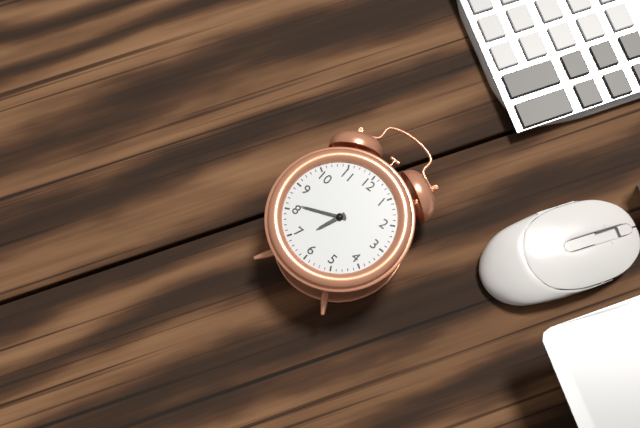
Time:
6.41
